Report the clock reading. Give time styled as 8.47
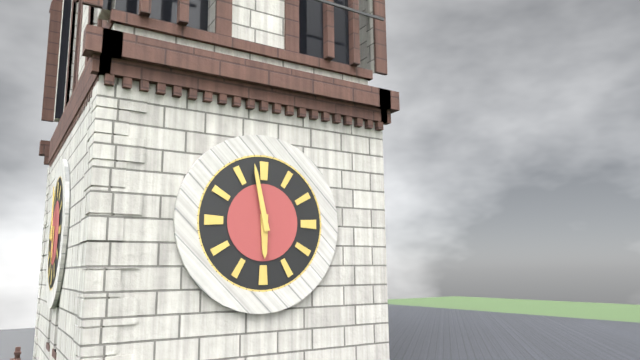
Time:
5.58
